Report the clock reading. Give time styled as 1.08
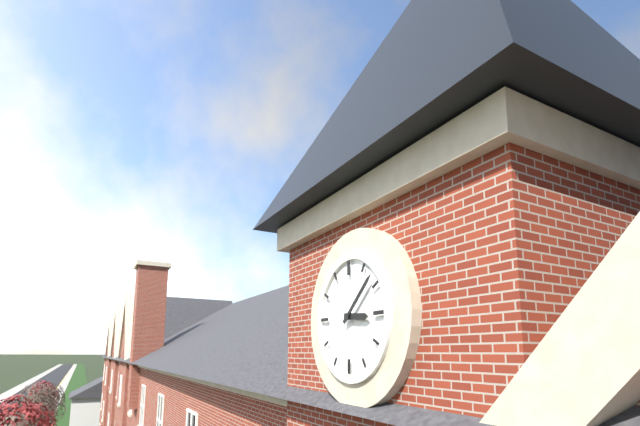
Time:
3.08
